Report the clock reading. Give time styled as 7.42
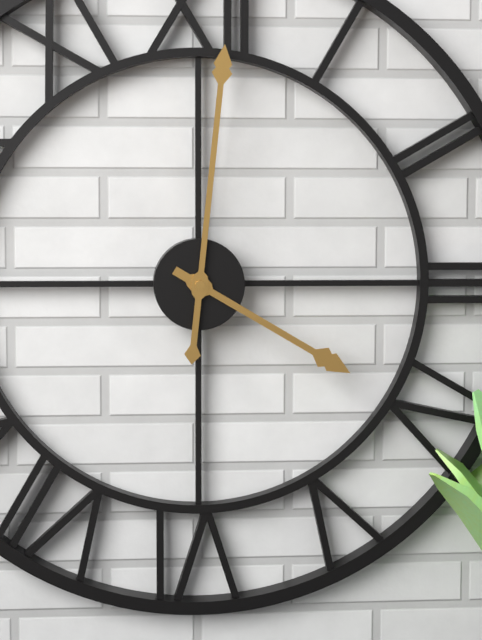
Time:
4.01
